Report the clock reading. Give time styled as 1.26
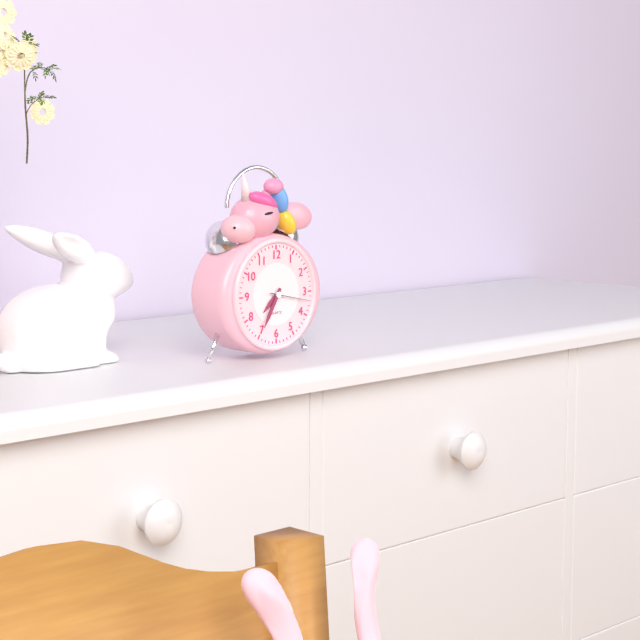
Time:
7.35
